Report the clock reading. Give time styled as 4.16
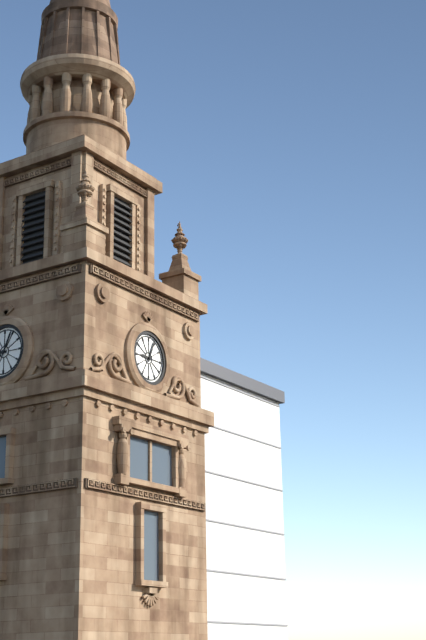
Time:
9.04
